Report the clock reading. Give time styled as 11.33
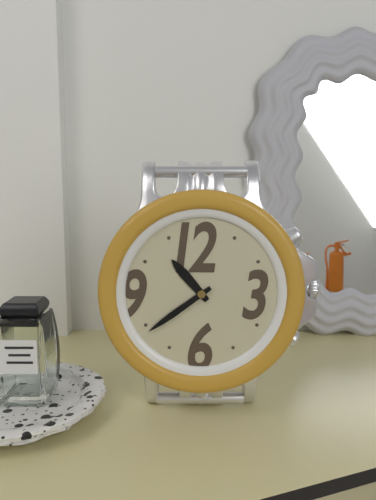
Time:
10.39
